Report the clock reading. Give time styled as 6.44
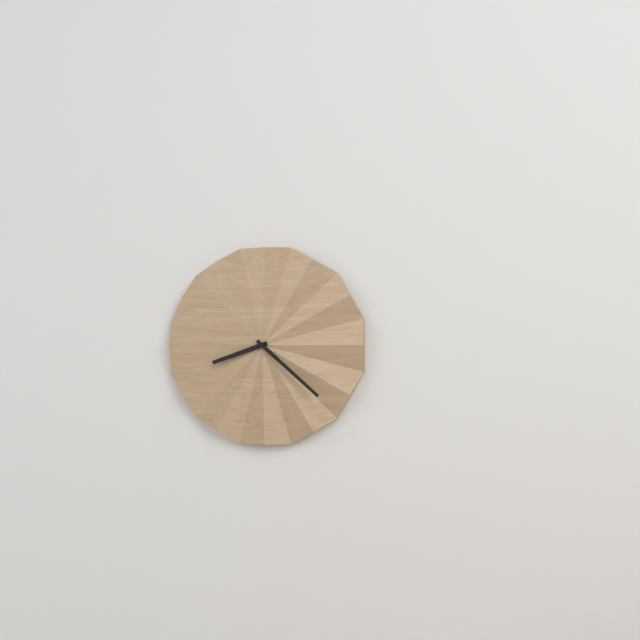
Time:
8.22
